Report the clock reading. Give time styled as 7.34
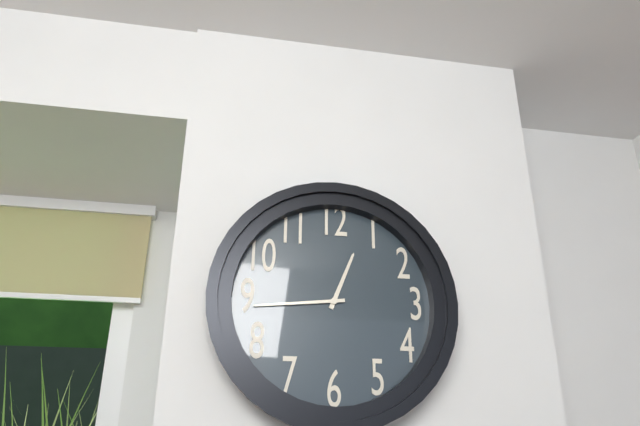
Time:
12.44
